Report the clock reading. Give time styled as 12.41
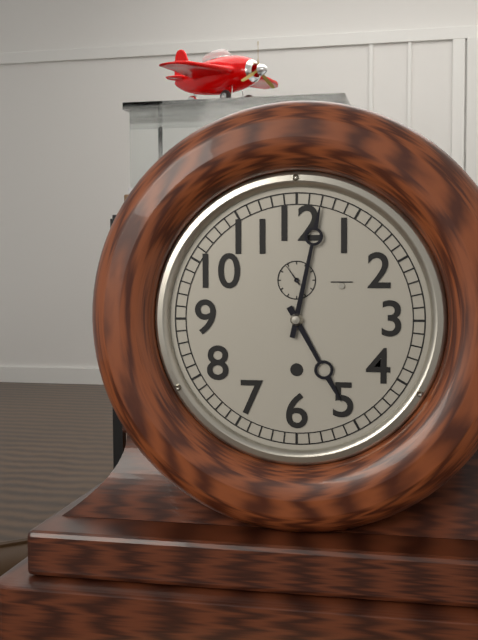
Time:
5.02
